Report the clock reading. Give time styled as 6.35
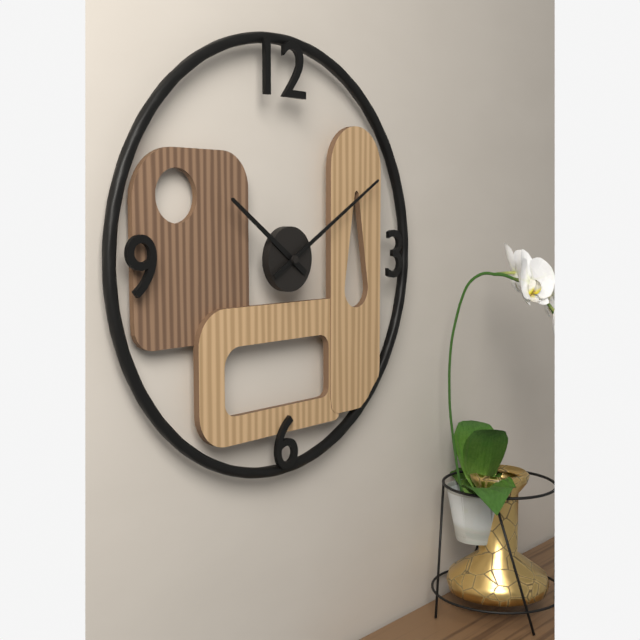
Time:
10.10
